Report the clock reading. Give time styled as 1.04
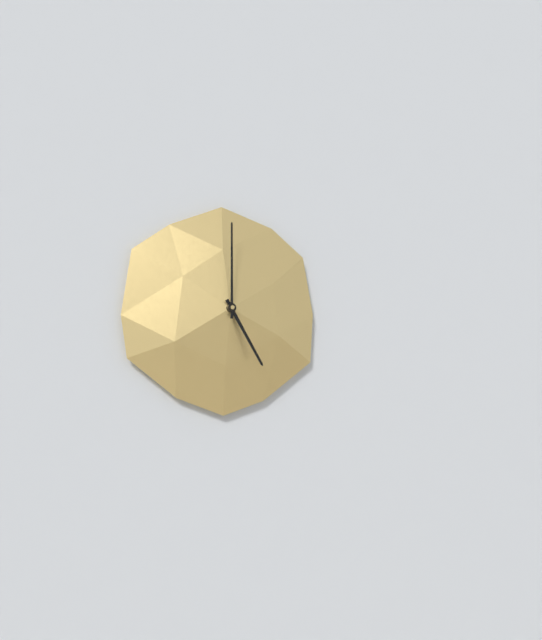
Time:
5.00
